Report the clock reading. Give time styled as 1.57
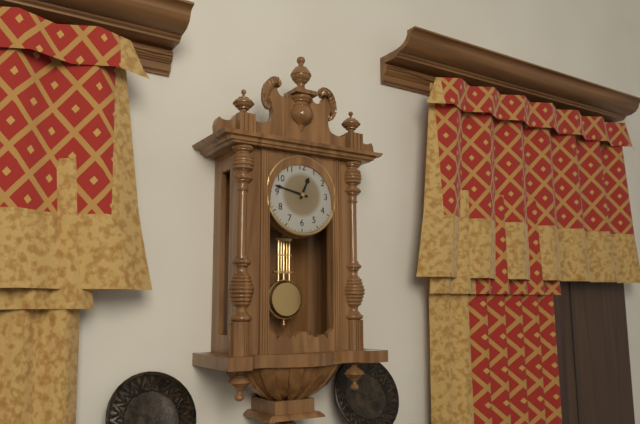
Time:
12.47
